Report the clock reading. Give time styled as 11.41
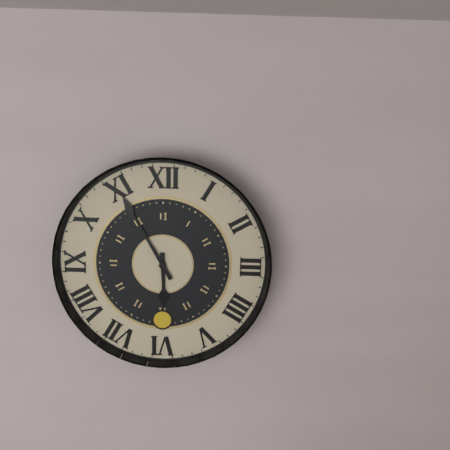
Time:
5.55
